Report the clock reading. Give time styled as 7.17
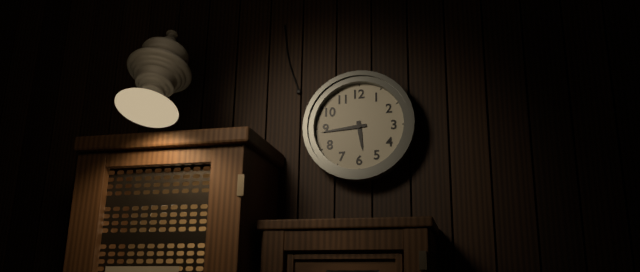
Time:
5.44
